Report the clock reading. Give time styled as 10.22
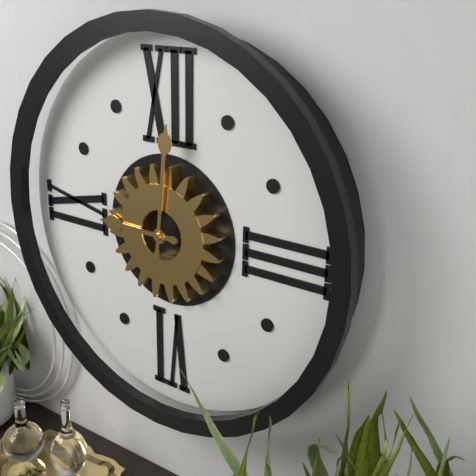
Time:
9.01
